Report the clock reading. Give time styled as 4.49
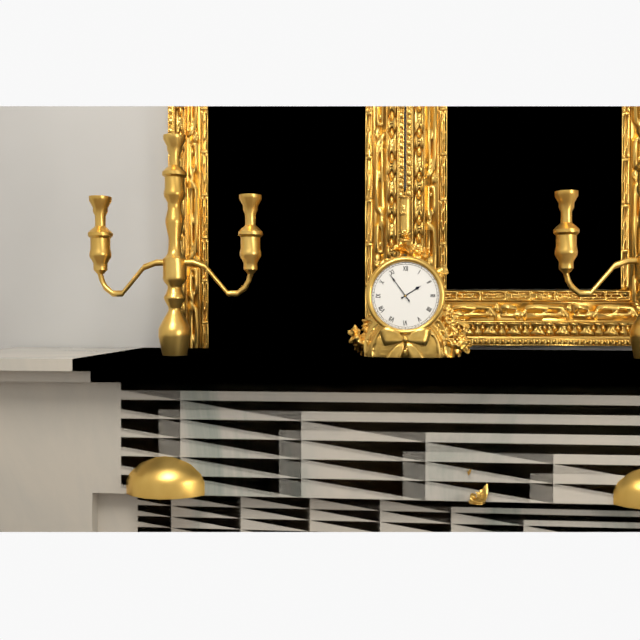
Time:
1.54
